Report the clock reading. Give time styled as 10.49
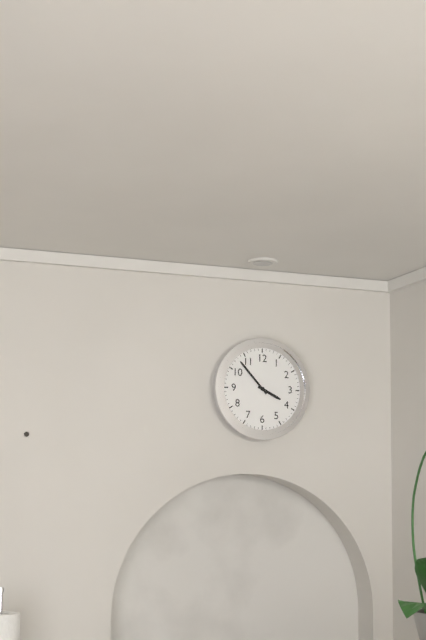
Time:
3.53
